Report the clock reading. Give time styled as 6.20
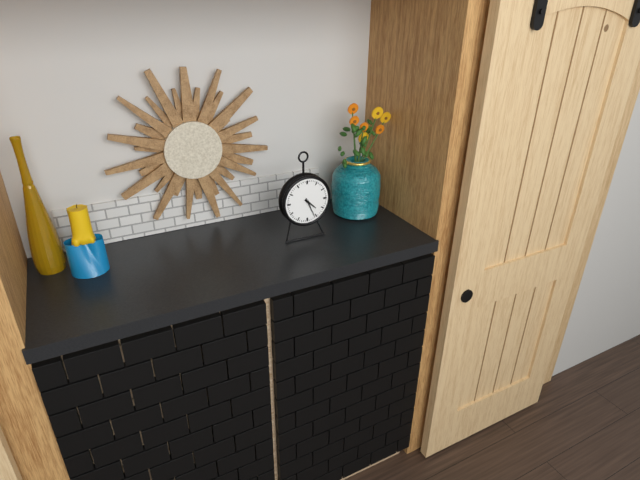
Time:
4.26
